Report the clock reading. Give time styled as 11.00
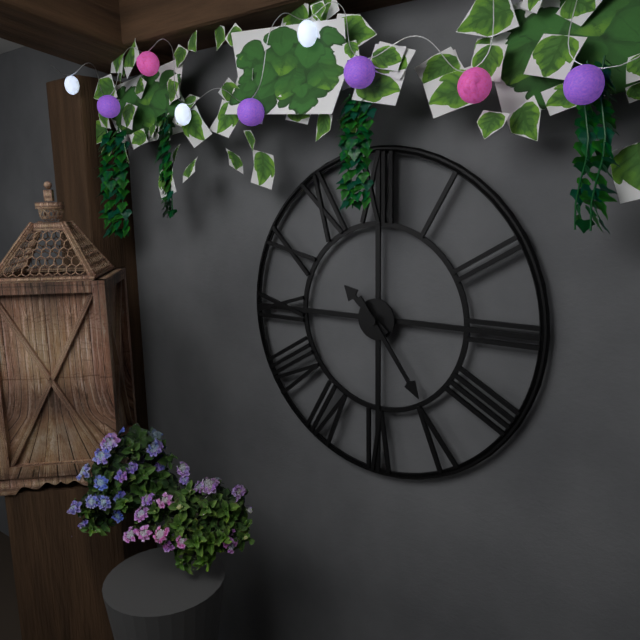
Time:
10.24
